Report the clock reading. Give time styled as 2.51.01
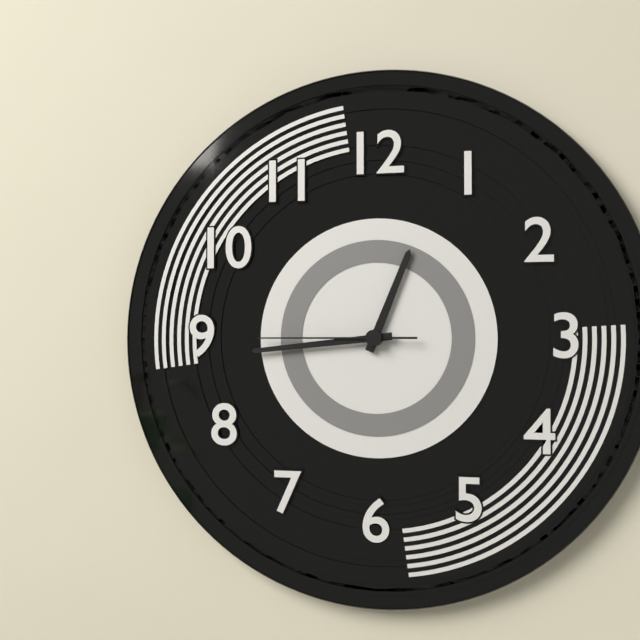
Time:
12.44.45
